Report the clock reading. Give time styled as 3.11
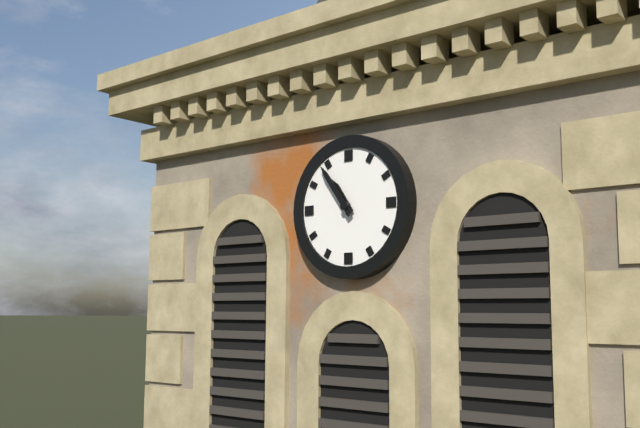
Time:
10.54
